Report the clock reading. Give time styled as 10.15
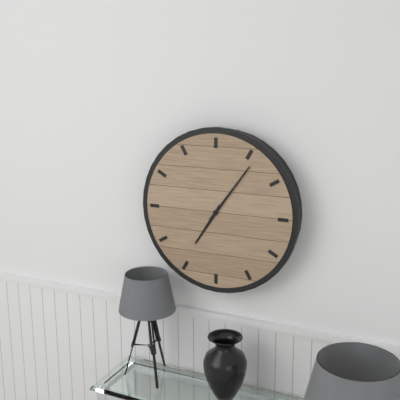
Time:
7.06
